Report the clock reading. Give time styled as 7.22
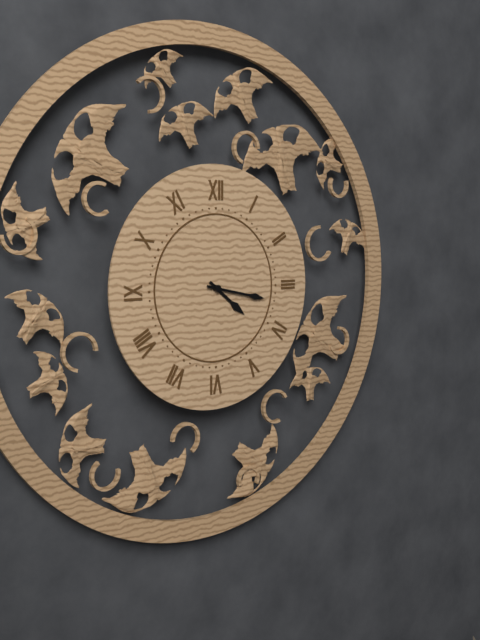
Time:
4.17
